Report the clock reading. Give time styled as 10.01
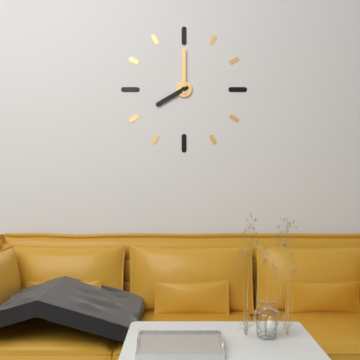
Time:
8.00
